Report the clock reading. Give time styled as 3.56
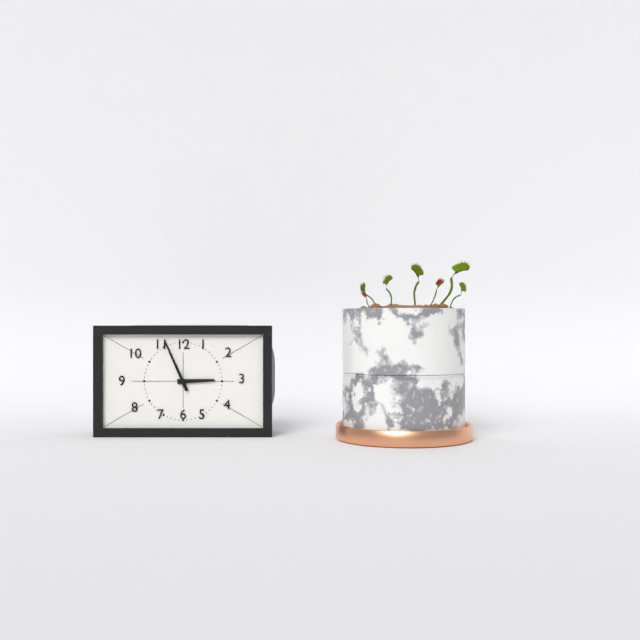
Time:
2.56
